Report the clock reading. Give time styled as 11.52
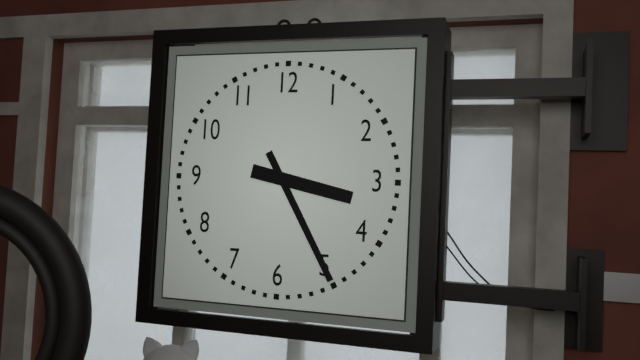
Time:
3.25
